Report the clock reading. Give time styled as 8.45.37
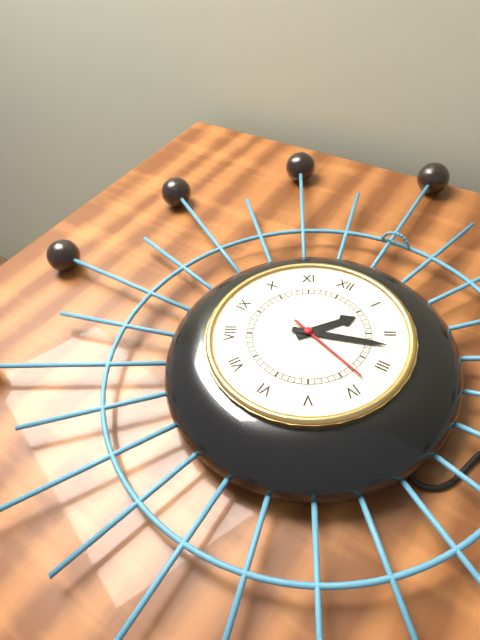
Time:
1.12.18
